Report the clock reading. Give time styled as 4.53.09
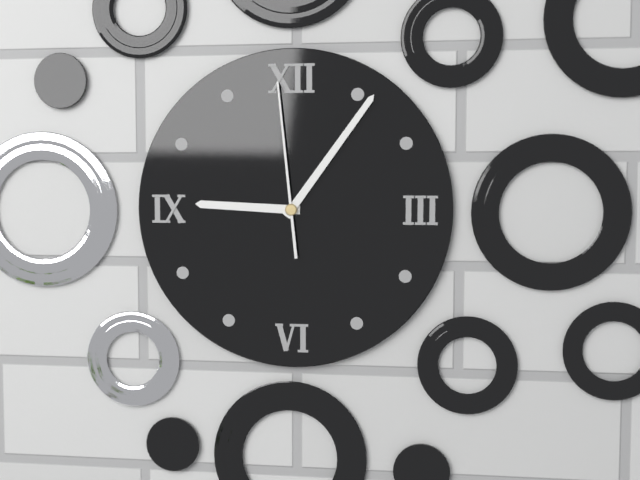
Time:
9.06.59
